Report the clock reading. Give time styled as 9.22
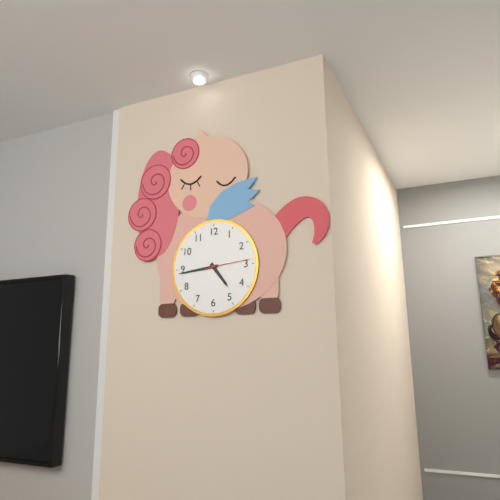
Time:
4.44
